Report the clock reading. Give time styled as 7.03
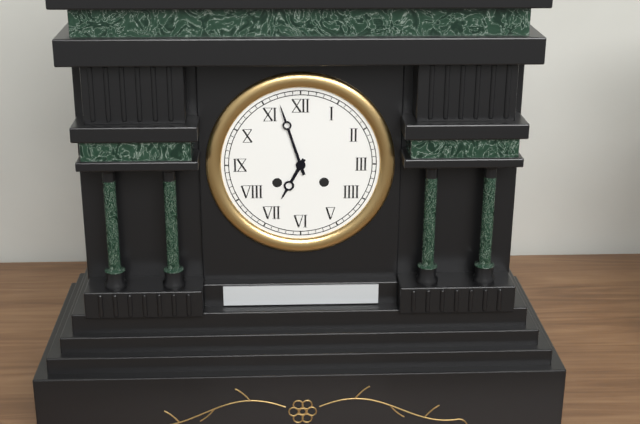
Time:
6.57
